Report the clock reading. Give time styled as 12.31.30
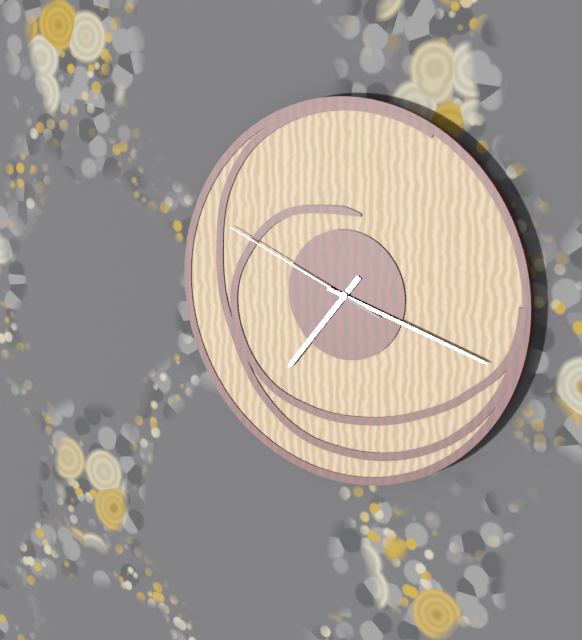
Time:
7.18.49
